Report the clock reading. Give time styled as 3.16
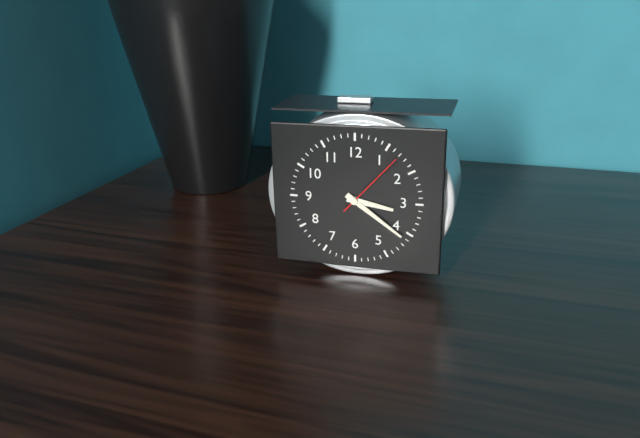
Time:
3.21
